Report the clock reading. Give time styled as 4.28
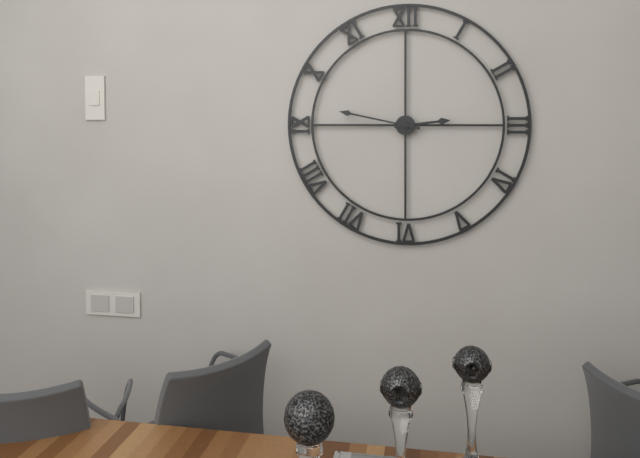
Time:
2.47
